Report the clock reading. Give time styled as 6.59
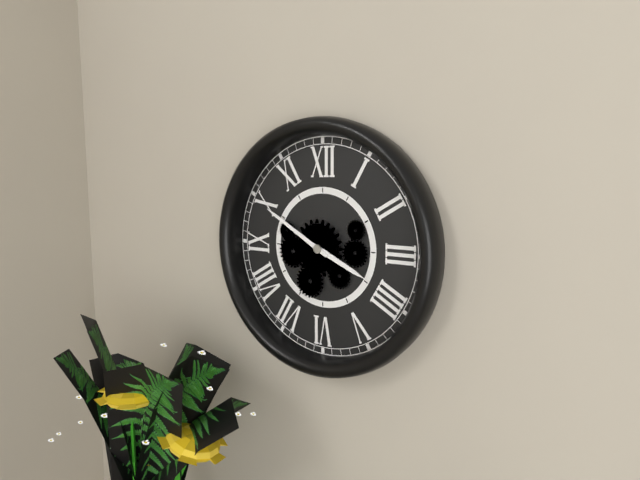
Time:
3.50
